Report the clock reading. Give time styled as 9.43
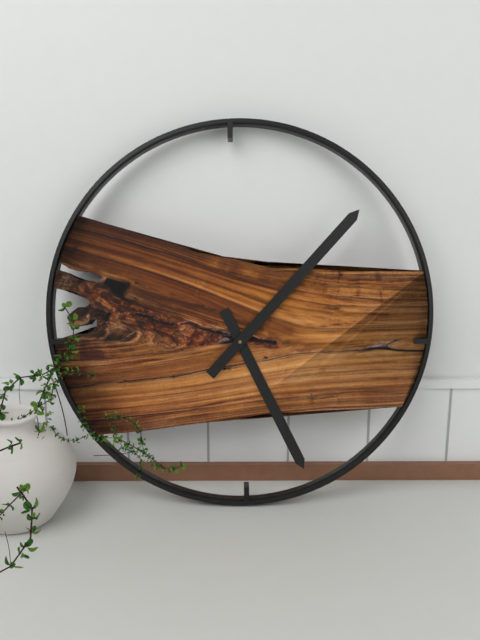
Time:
5.07
